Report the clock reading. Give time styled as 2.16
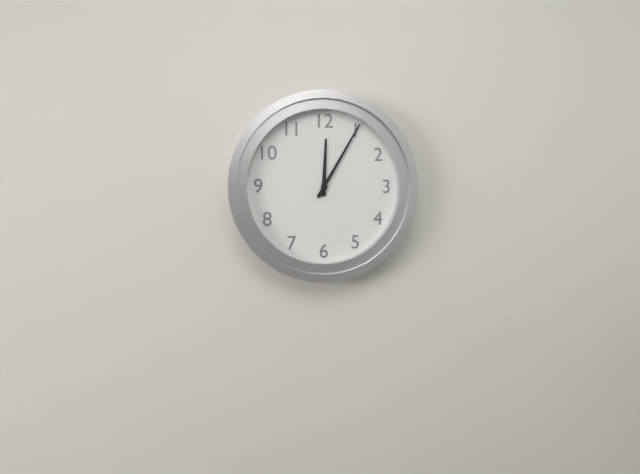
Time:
12.05
